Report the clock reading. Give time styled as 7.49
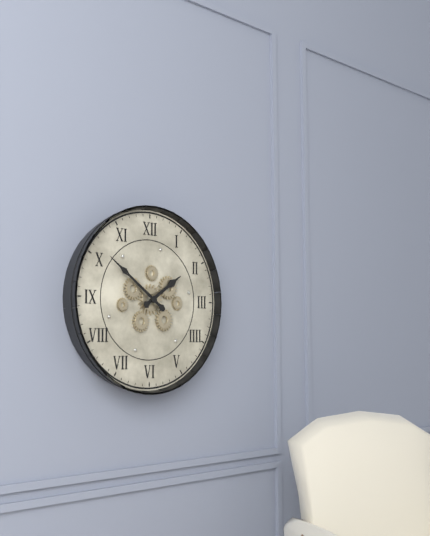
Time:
1.51
